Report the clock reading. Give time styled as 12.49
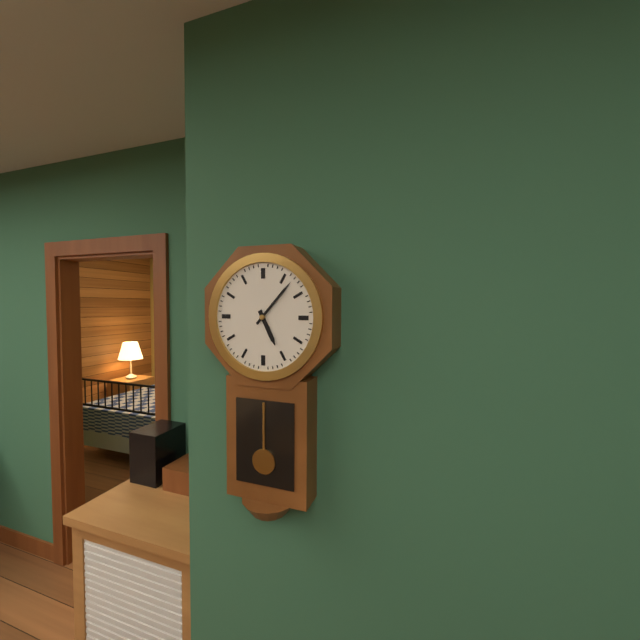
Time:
5.07
